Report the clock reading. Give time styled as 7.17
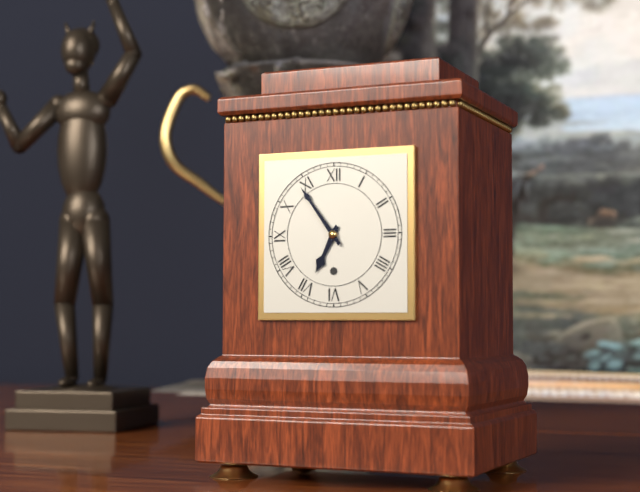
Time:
6.54
